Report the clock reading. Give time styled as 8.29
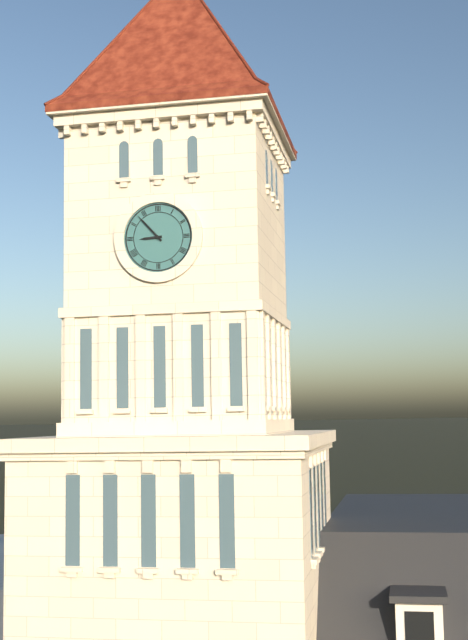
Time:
8.53
